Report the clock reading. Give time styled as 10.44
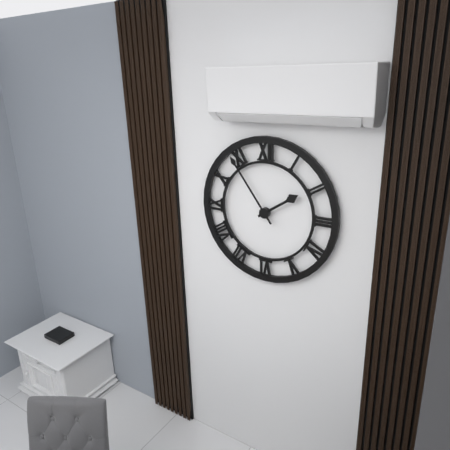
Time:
1.54
